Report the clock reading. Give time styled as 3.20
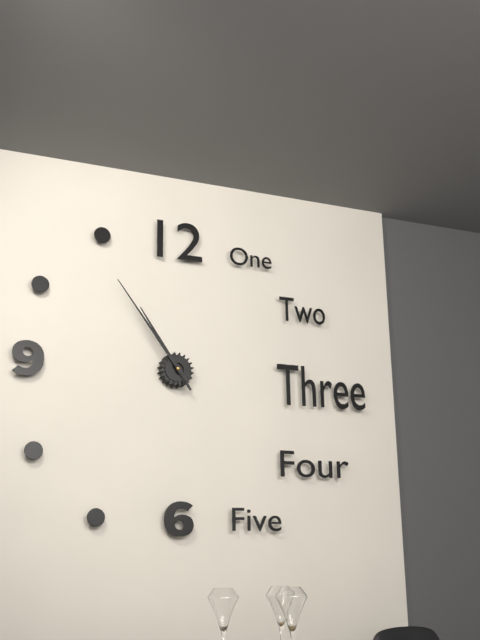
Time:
10.54
